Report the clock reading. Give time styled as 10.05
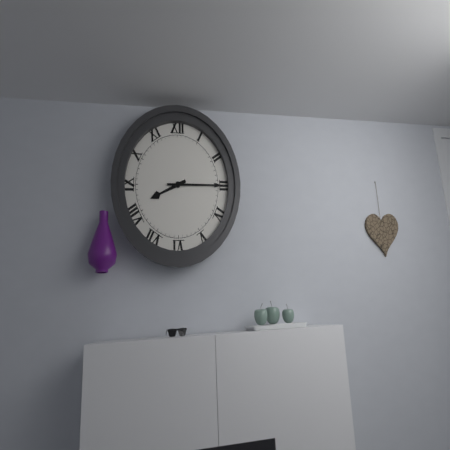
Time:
8.15
